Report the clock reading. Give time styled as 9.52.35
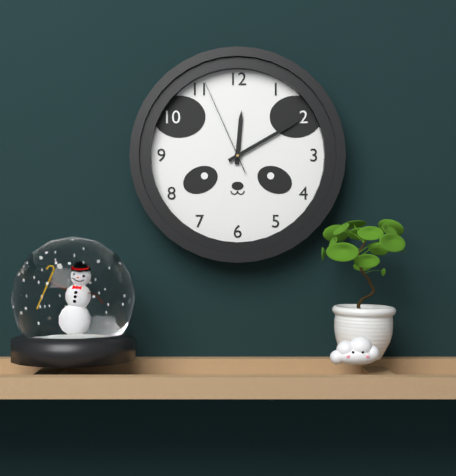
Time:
12.10.56
